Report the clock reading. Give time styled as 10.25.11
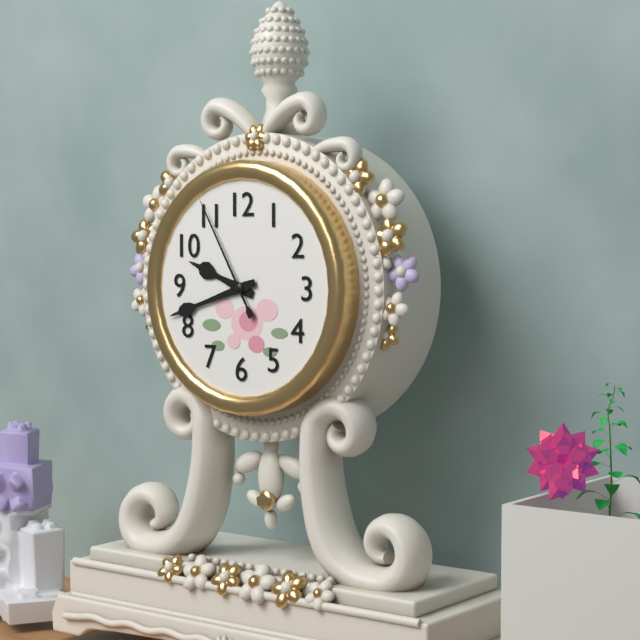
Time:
9.42.55
